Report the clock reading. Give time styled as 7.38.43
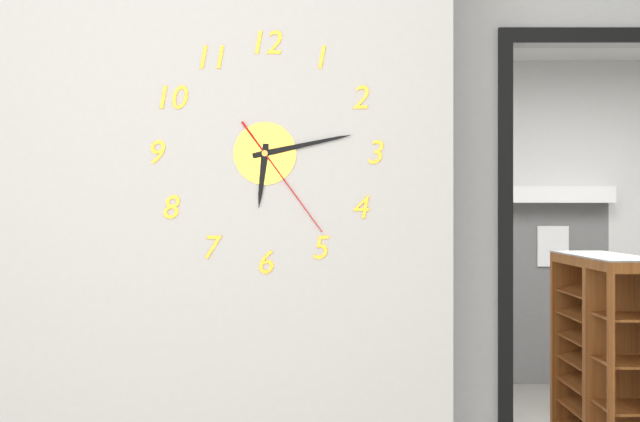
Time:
6.13.24
